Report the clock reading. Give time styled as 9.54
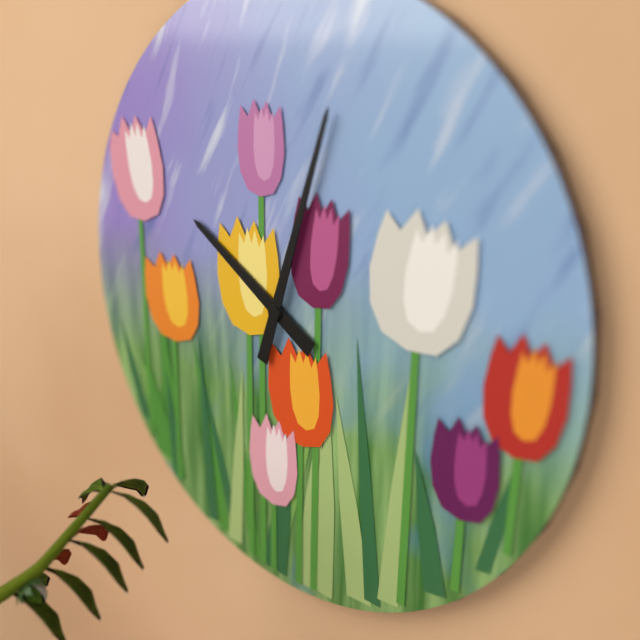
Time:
10.03
